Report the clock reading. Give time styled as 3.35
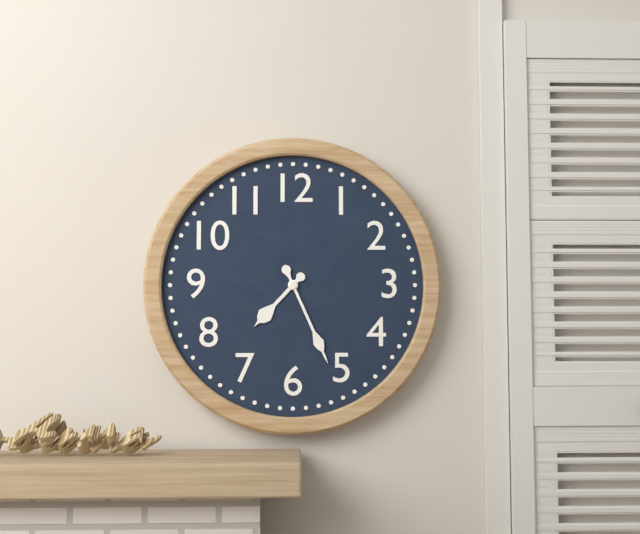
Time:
7.26
